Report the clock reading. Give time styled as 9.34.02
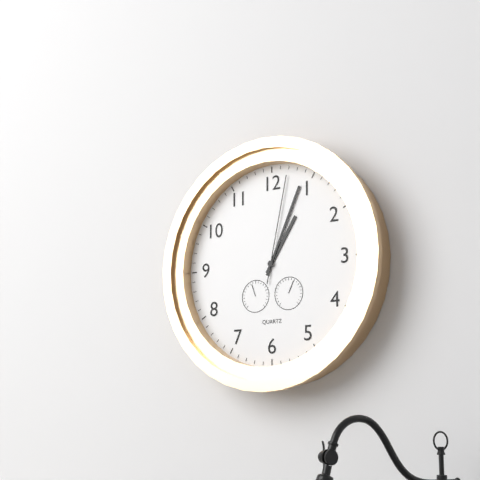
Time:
1.04.02
